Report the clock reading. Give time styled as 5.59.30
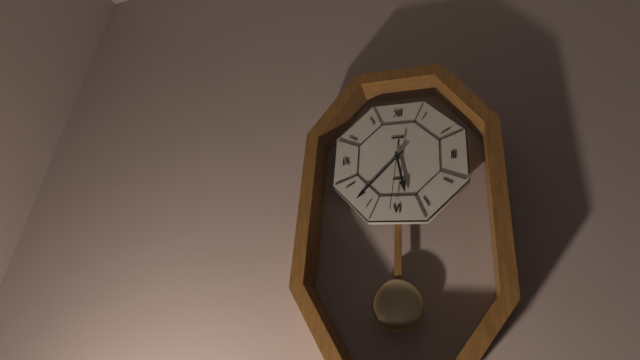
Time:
5.37.31
